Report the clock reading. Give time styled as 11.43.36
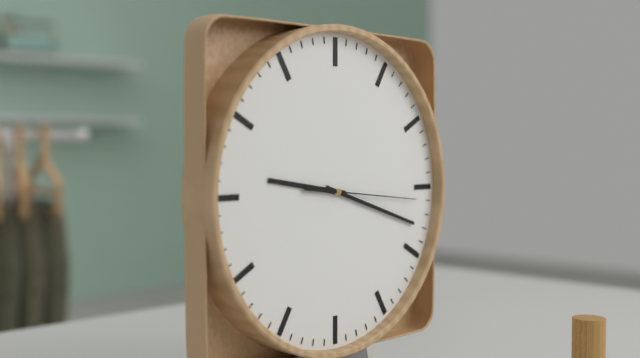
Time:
9.18.16
